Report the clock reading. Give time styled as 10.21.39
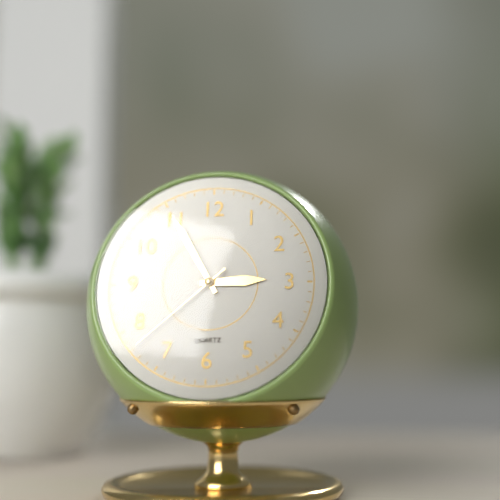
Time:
2.55.38
